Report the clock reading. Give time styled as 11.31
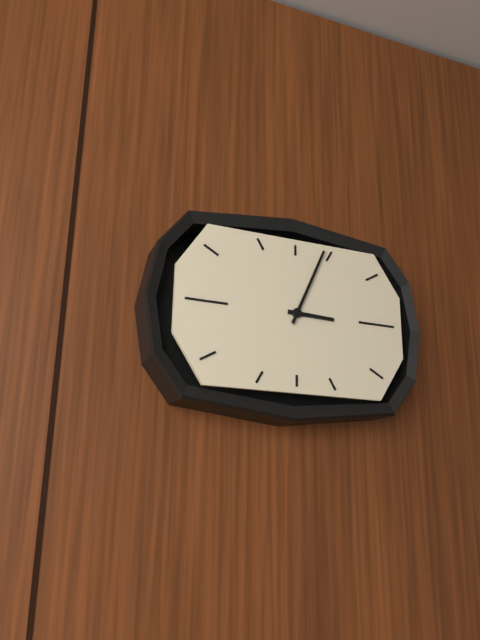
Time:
3.04
